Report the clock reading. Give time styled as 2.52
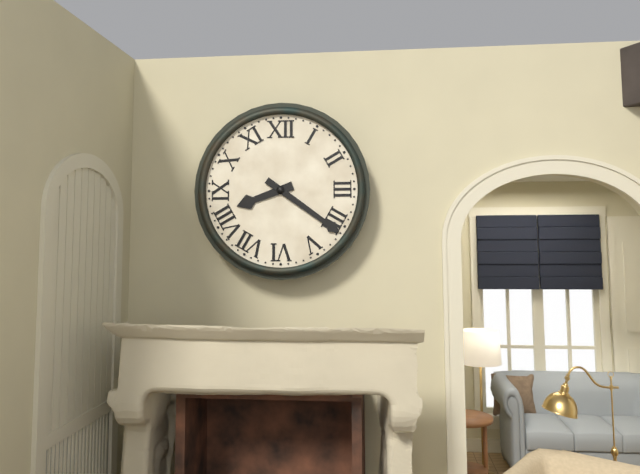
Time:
8.21
